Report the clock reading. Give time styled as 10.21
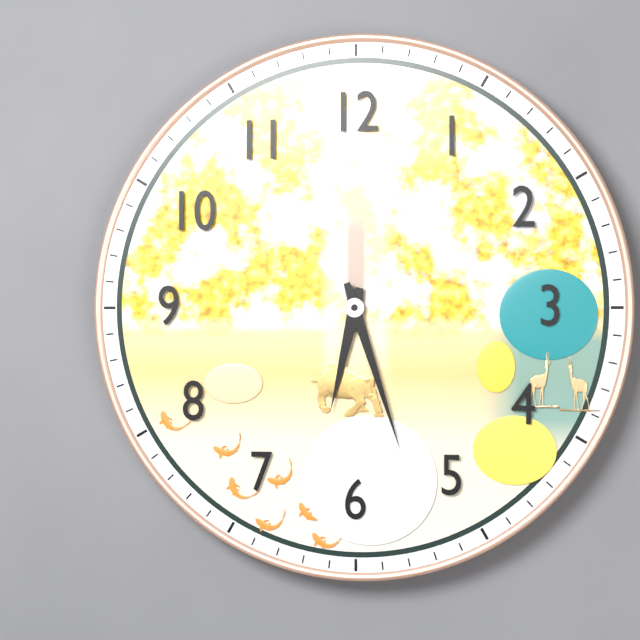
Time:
6.27
